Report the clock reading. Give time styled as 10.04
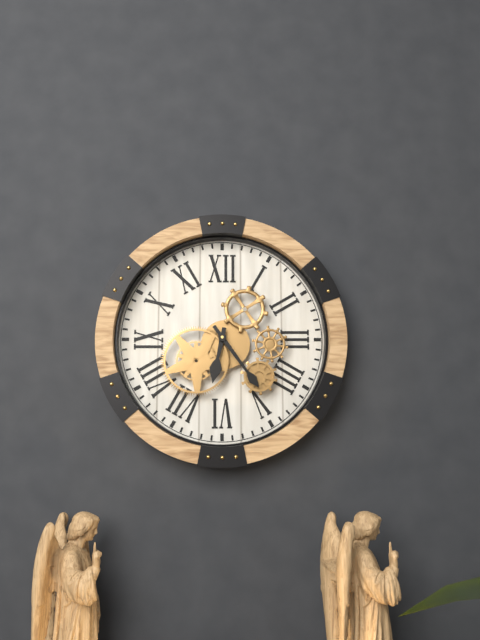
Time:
6.24
